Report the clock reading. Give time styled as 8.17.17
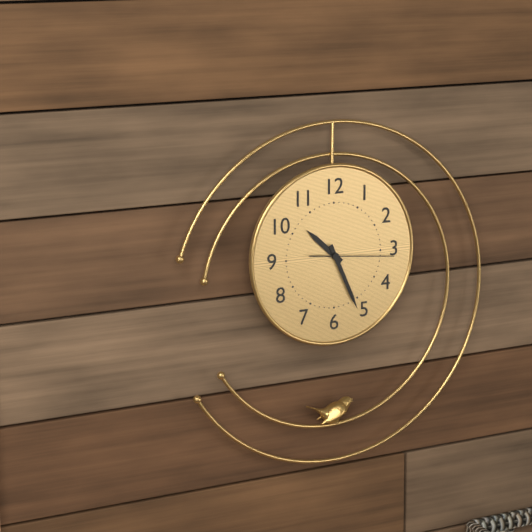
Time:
10.26.16
